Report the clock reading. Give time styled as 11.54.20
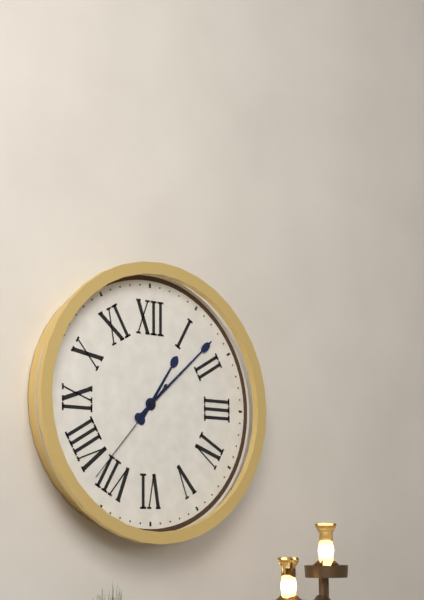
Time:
1.08.37
